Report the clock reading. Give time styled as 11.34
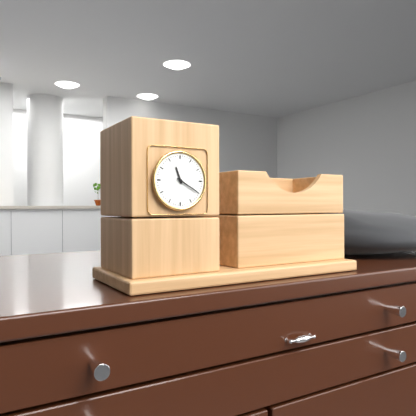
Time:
11.20
